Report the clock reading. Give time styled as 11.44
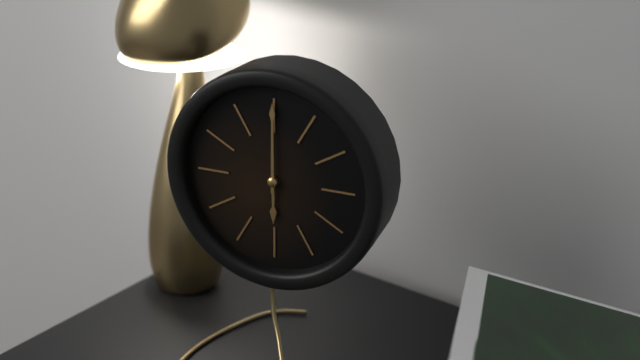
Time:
6.00
